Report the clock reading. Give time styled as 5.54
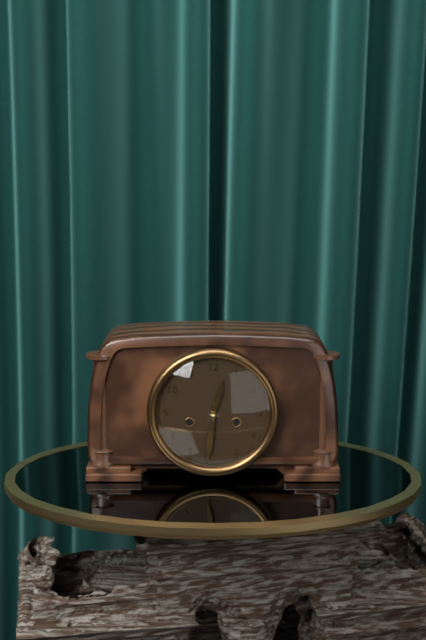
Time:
12.31
